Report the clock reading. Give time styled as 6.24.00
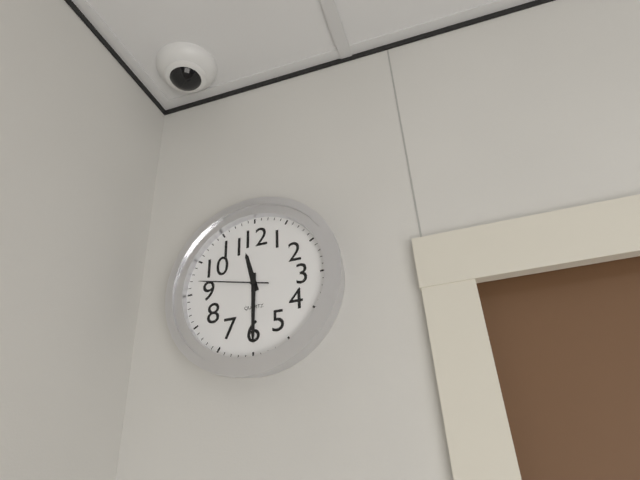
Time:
11.30.47
